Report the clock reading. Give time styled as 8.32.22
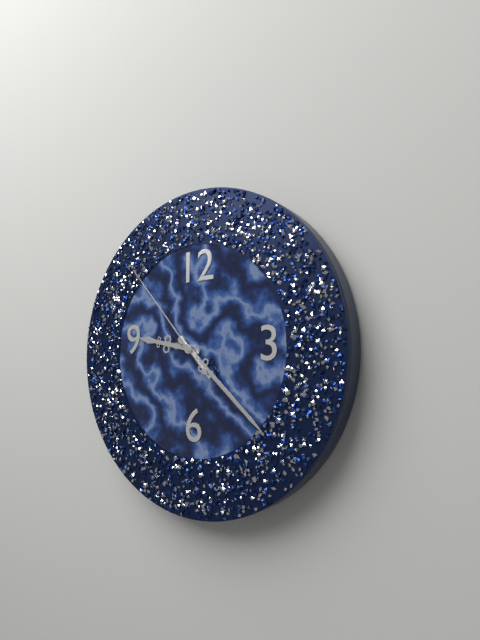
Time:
9.22.53
